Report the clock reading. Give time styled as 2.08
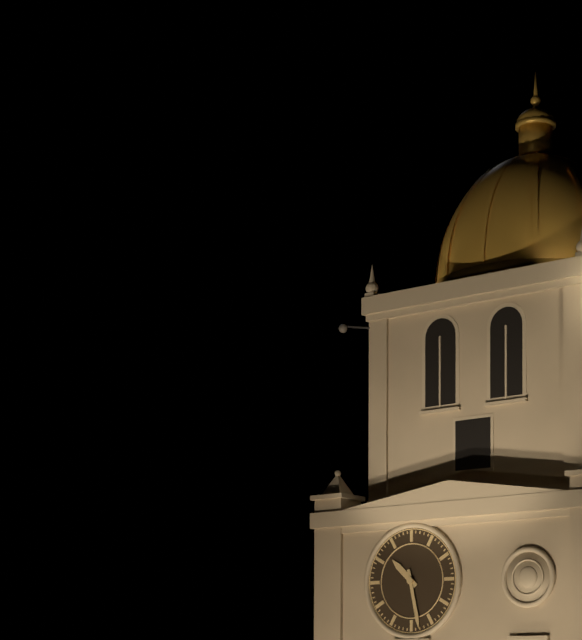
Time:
10.28
